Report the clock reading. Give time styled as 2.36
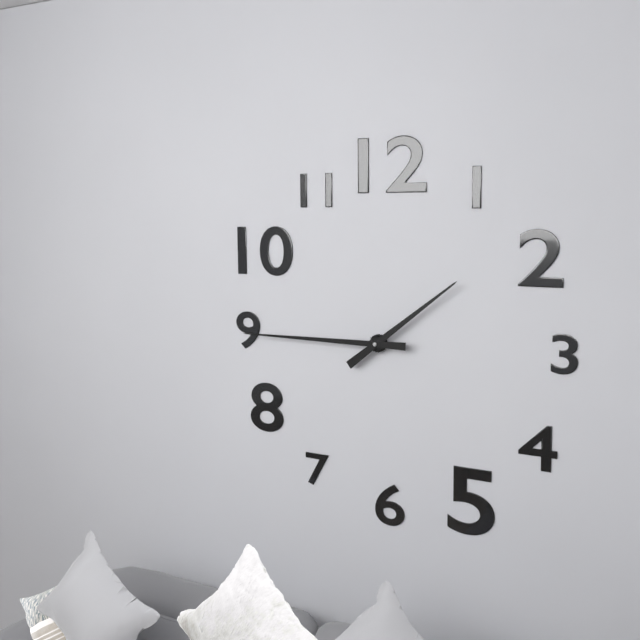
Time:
1.45
